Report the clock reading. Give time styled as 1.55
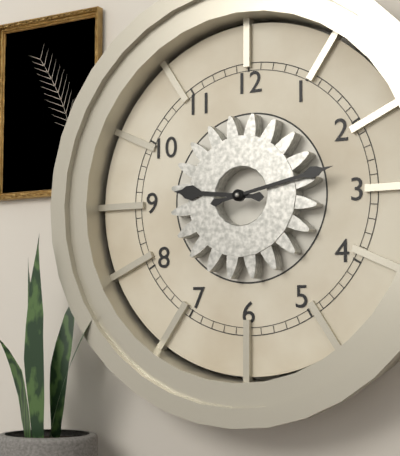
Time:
9.13
